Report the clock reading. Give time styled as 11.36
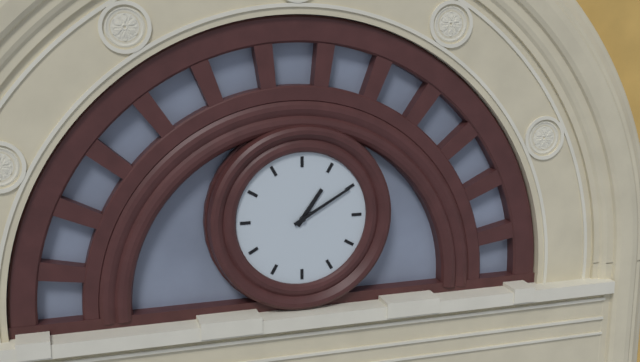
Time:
1.10
